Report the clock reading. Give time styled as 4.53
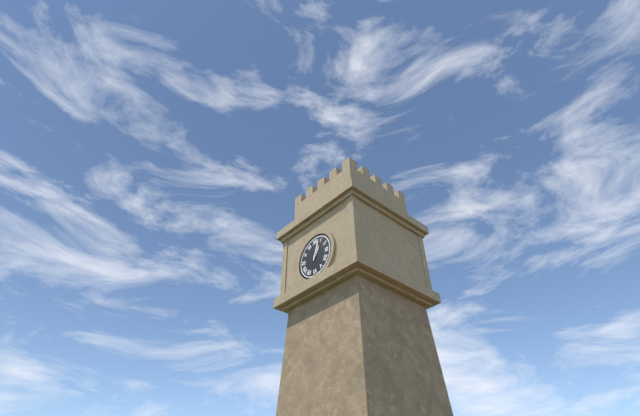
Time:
1.03
